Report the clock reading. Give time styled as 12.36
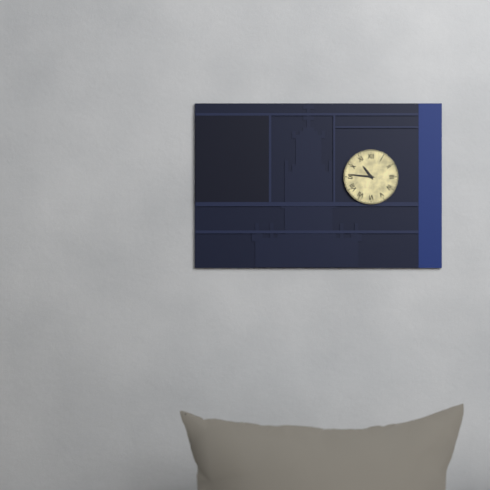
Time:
10.46
